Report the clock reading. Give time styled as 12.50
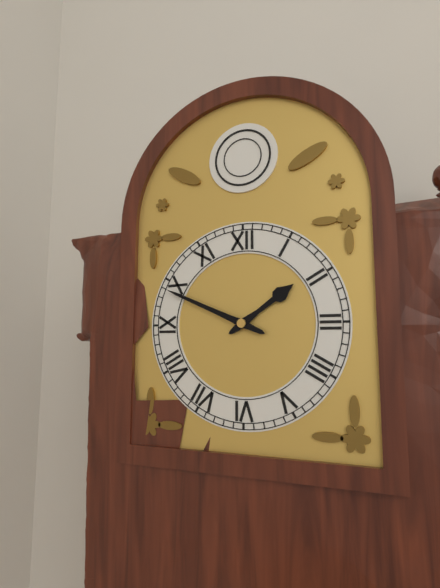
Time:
1.49
